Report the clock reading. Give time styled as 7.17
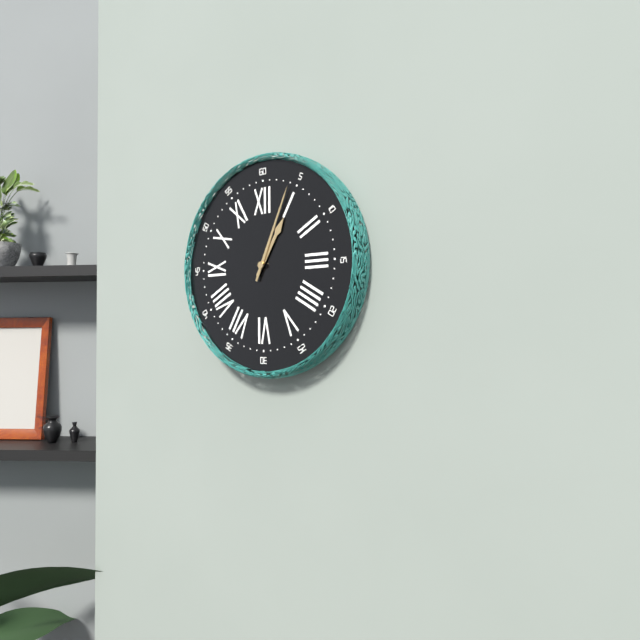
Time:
1.04
